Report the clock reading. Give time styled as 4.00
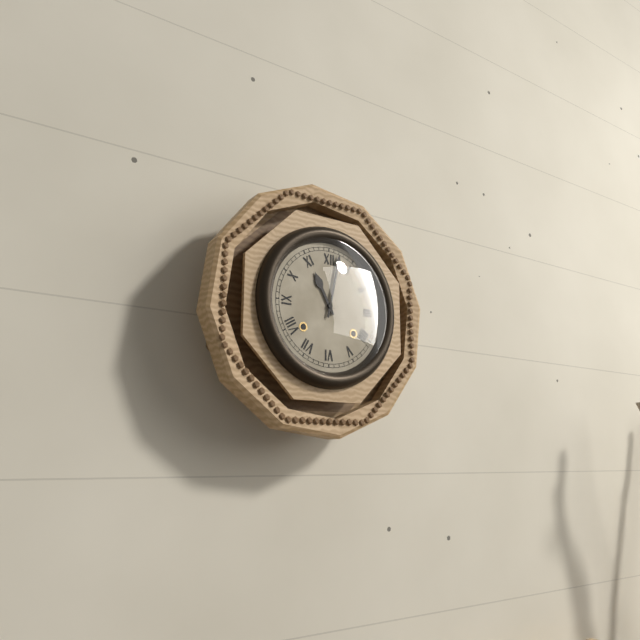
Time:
11.02
